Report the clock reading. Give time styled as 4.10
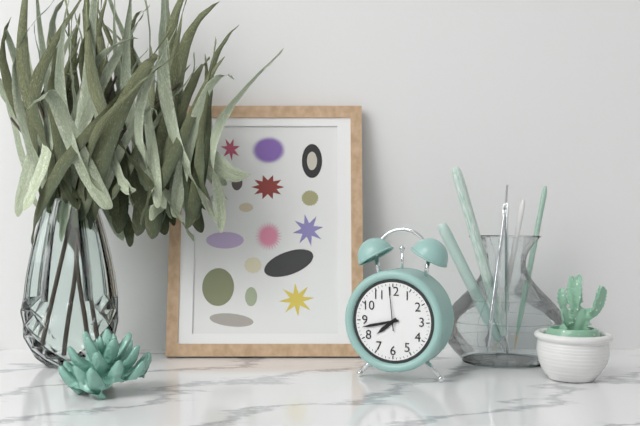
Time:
7.43
